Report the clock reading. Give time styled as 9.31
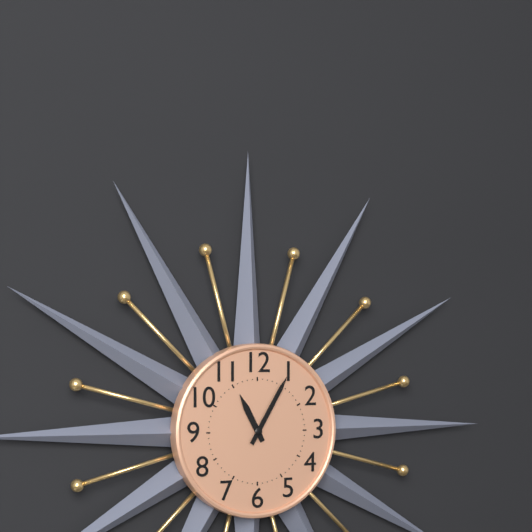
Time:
11.05
